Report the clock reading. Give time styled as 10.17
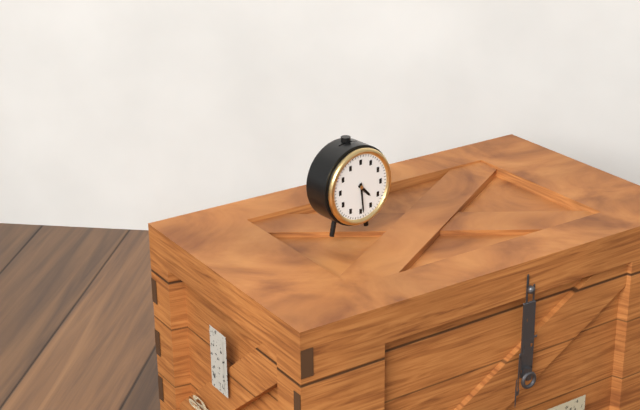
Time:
4.29
